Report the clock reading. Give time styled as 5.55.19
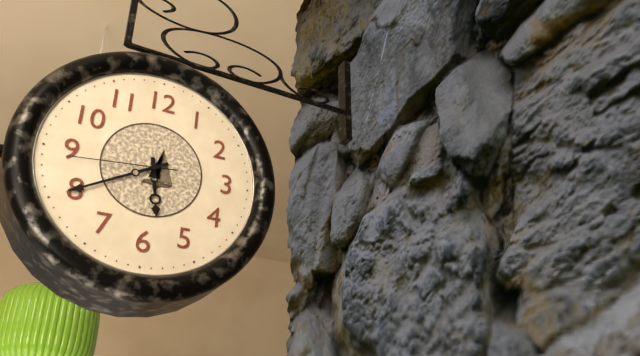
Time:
5.40.44
